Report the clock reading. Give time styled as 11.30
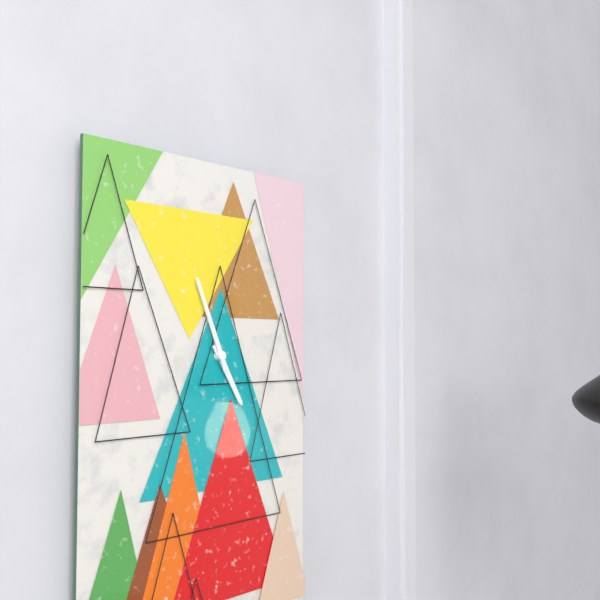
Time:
4.56
